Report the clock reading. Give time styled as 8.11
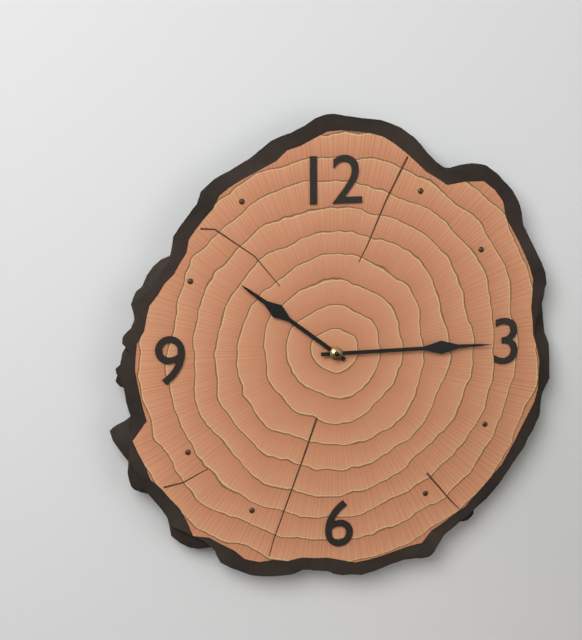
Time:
10.15
